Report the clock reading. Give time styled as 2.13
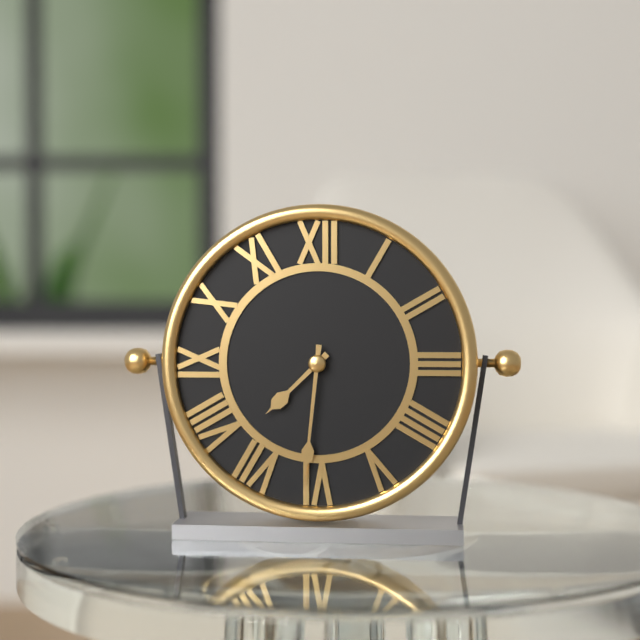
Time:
7.31
